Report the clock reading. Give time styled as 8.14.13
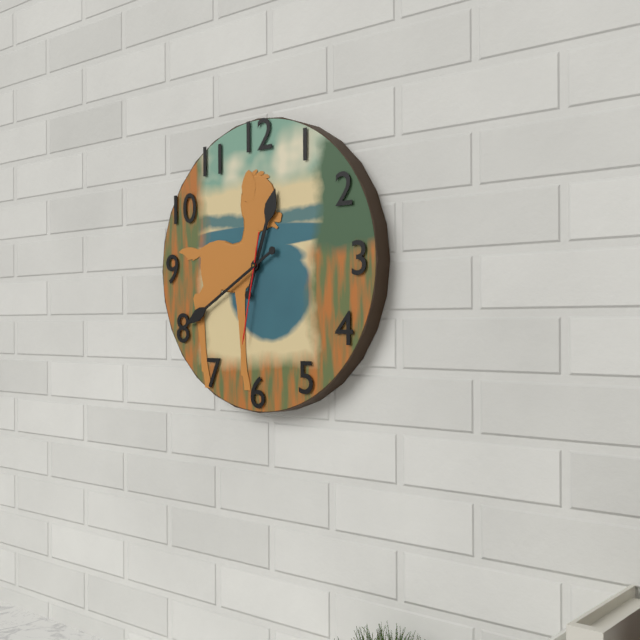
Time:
12.40.32
